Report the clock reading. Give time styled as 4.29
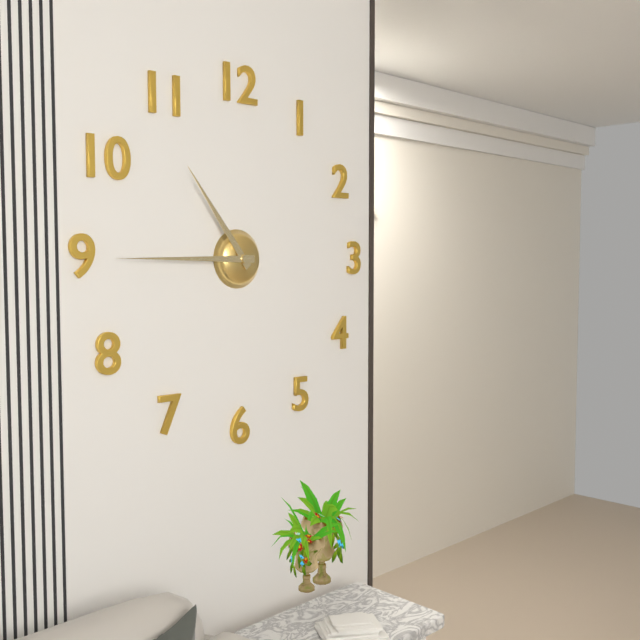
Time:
10.45
